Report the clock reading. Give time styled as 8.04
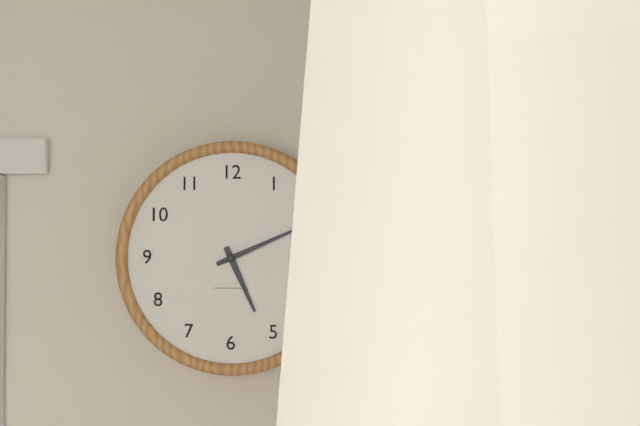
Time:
5.11
